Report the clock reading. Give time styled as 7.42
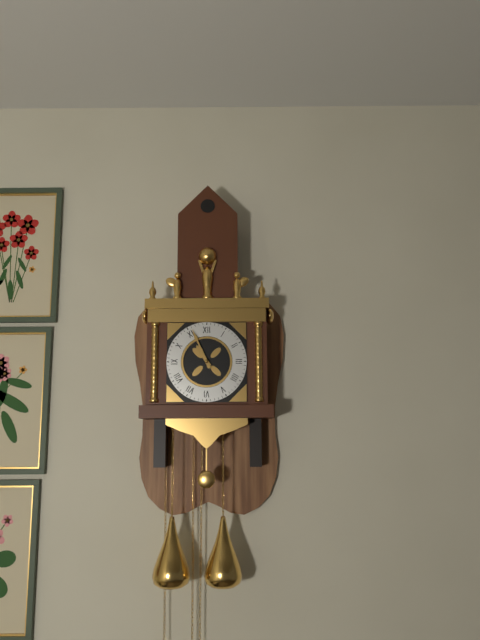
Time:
10.56
